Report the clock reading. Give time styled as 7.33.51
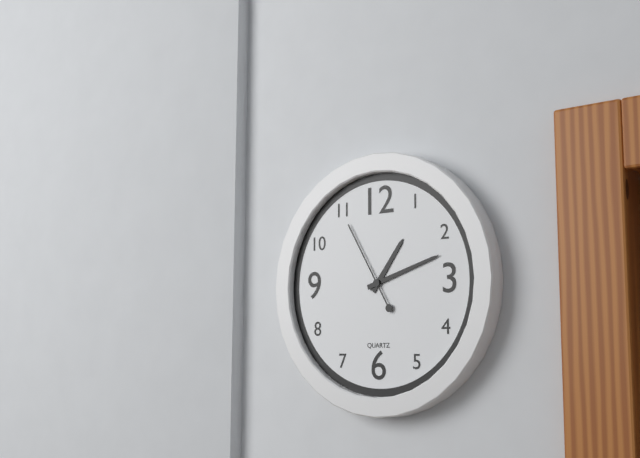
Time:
1.12.55
